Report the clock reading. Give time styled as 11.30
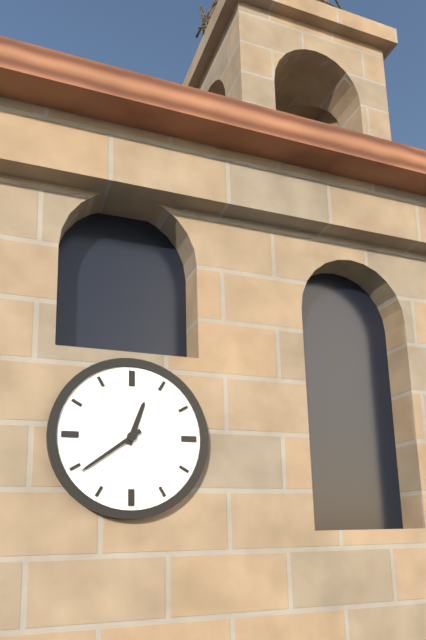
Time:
12.39
